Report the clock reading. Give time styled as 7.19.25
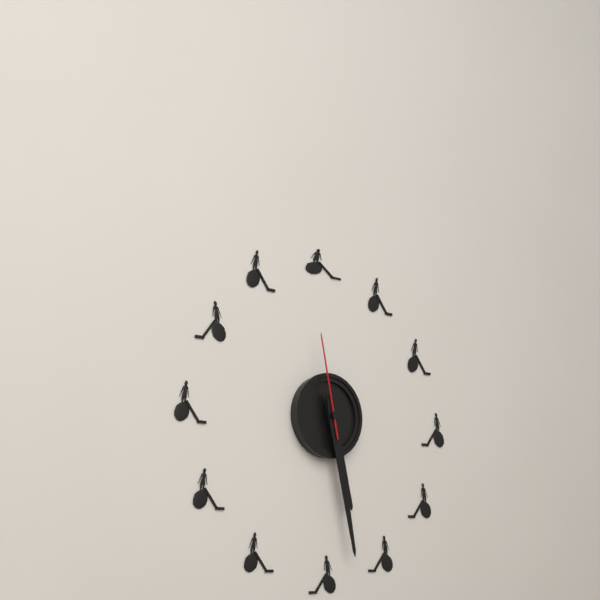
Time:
5.28.58
